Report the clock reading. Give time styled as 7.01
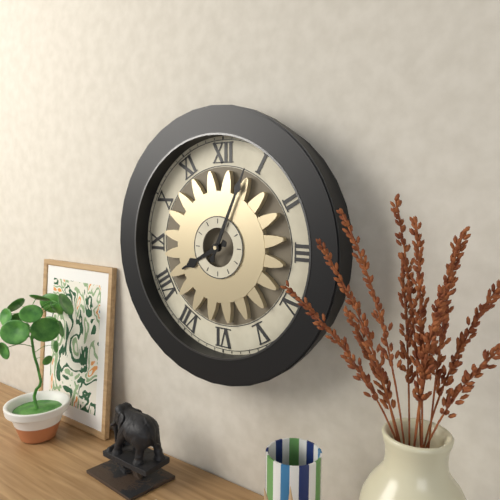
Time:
8.04
